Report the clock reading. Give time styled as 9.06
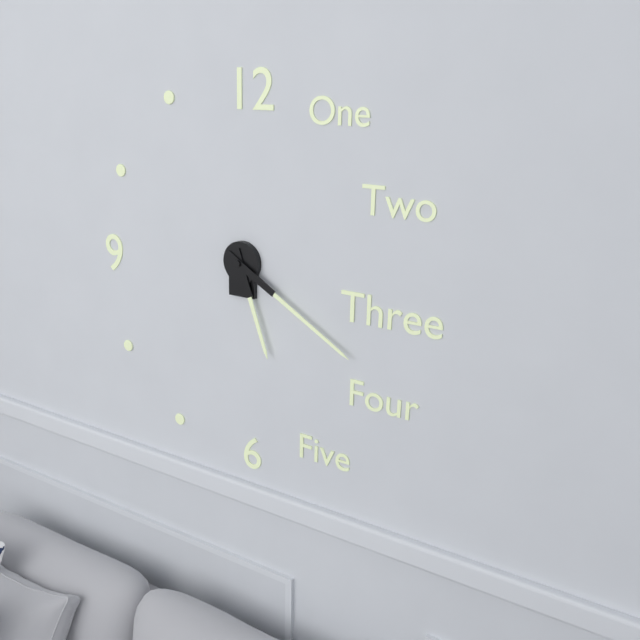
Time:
5.20
